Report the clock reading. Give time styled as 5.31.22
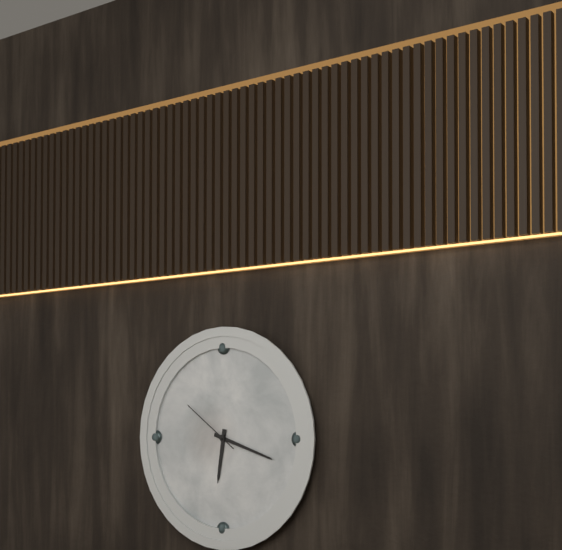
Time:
6.18.51
